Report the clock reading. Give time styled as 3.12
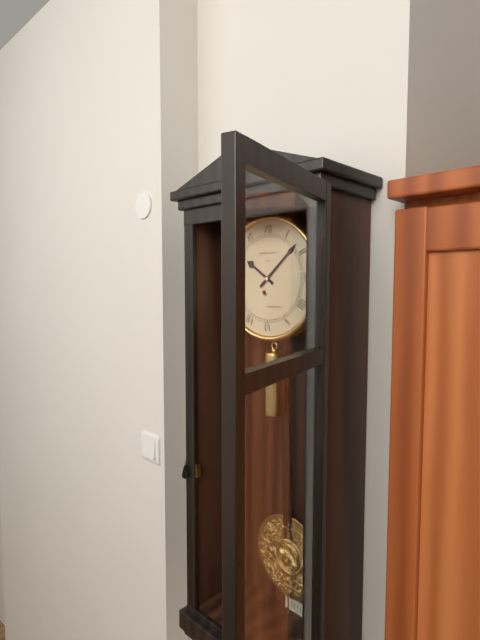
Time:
10.08
